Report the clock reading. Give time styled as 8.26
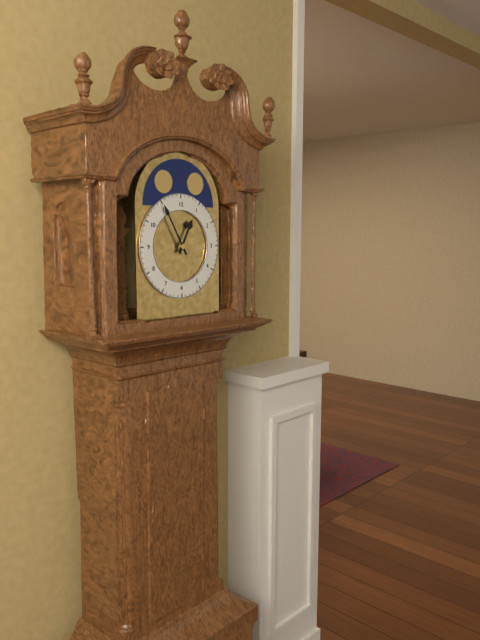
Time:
12.55
